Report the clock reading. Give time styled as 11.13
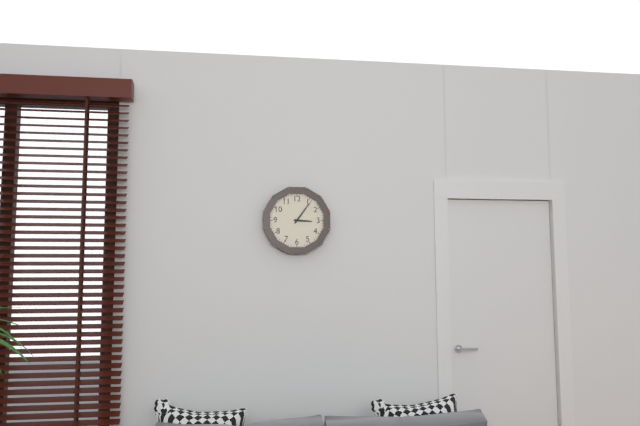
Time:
3.06
